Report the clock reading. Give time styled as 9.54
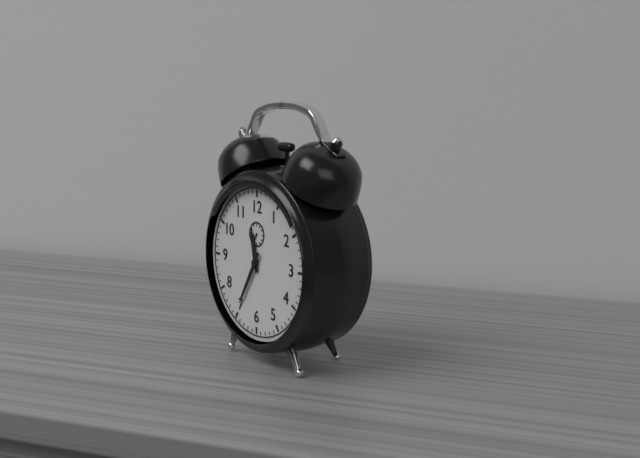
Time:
11.35
